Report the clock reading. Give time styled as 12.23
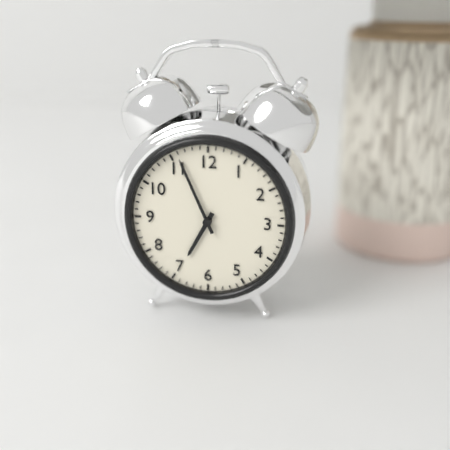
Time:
6.56
